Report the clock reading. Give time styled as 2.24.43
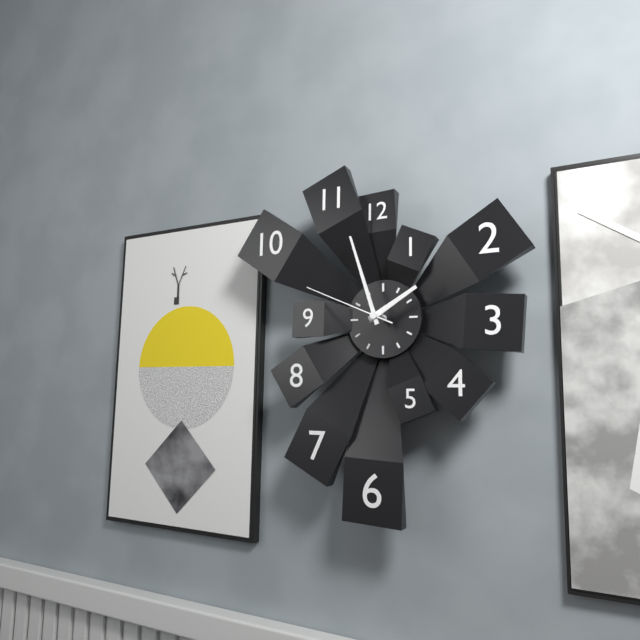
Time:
1.57.49
